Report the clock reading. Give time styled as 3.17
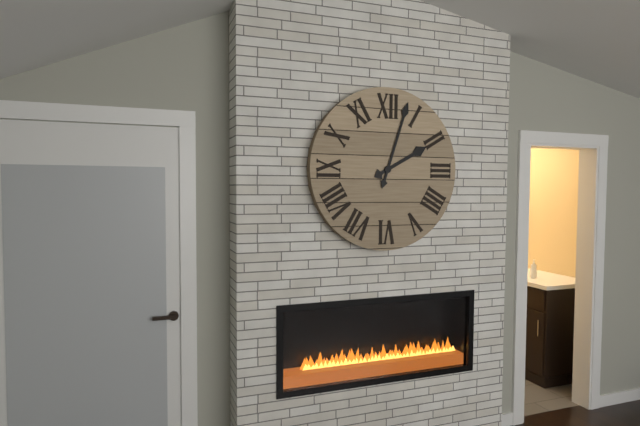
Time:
2.03
